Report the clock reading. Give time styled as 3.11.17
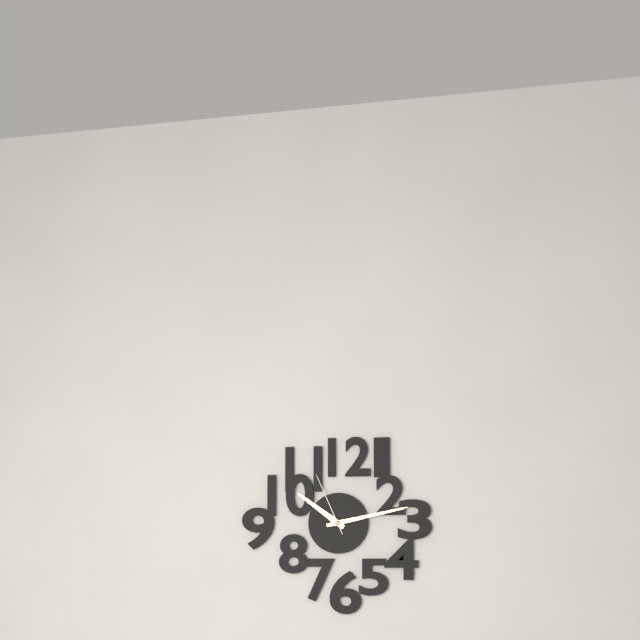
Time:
10.13.56
